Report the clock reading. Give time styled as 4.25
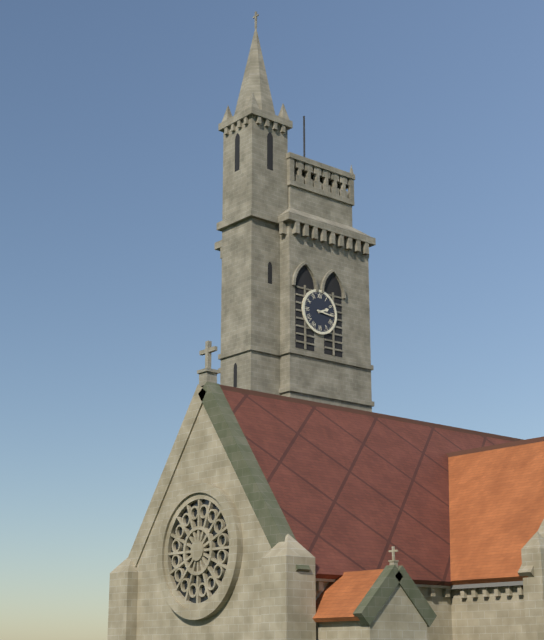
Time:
2.16
